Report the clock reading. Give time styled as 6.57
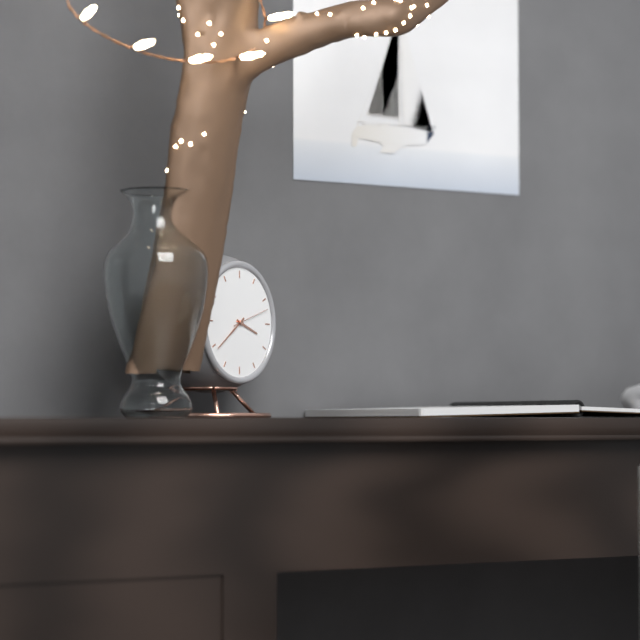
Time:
3.39
